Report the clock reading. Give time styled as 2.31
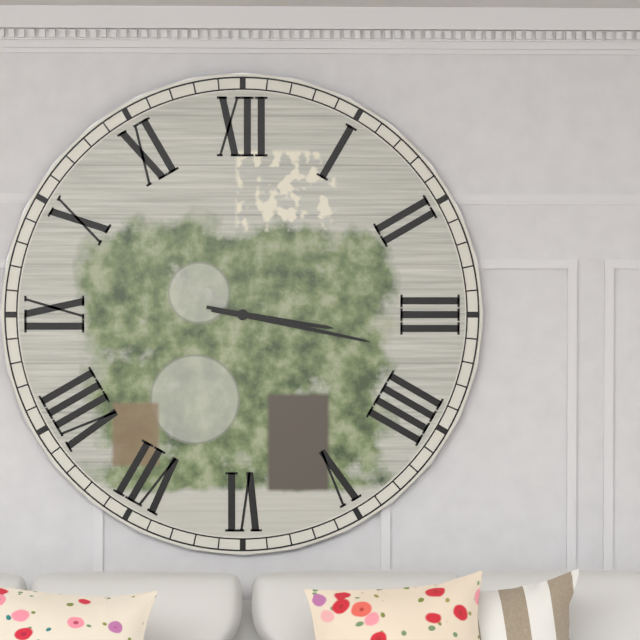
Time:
3.17
